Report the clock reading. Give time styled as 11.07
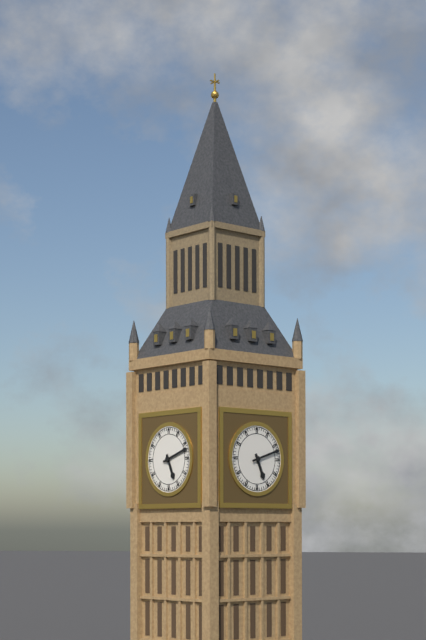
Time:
5.12
